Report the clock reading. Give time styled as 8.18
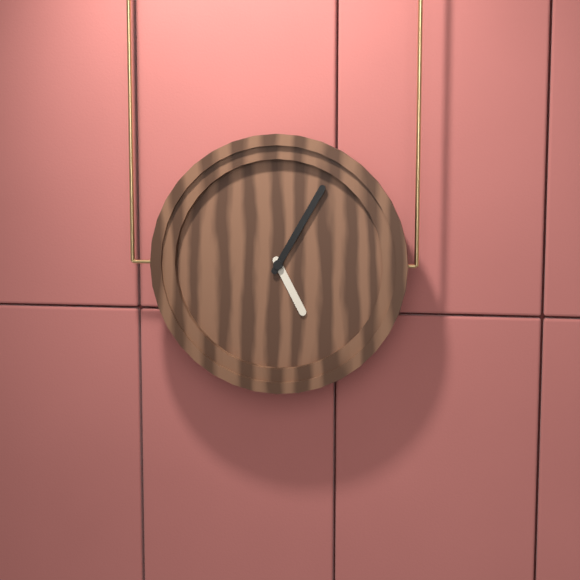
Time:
5.05
